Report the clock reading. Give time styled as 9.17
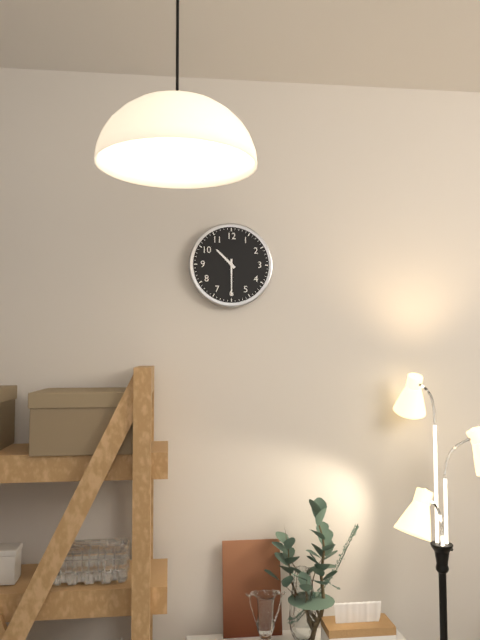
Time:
10.30
